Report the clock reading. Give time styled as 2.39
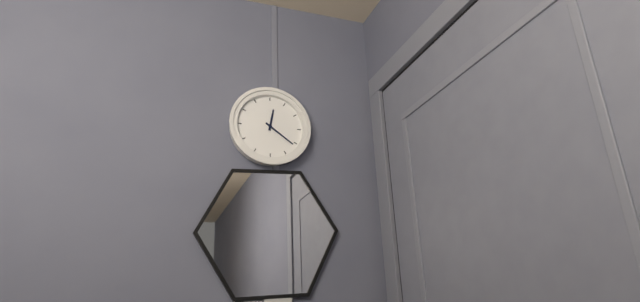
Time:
12.21
